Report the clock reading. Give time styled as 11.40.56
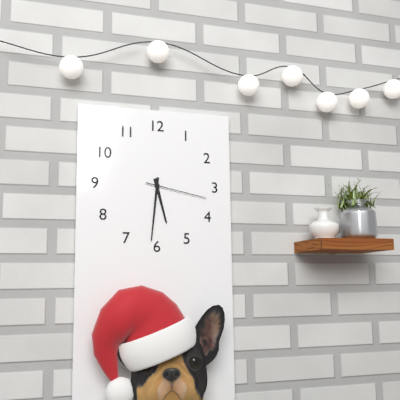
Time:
5.31.17
